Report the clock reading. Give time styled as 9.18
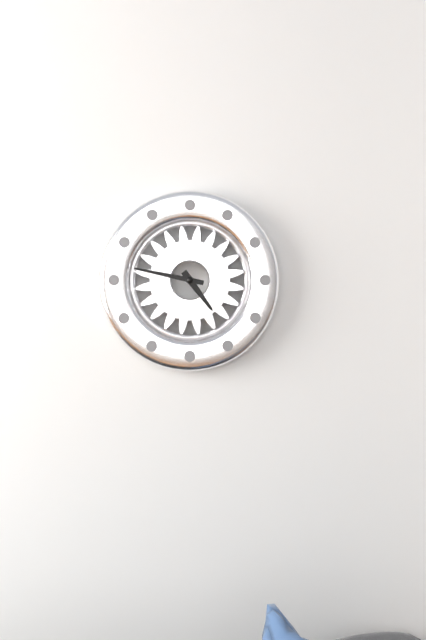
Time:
4.47
